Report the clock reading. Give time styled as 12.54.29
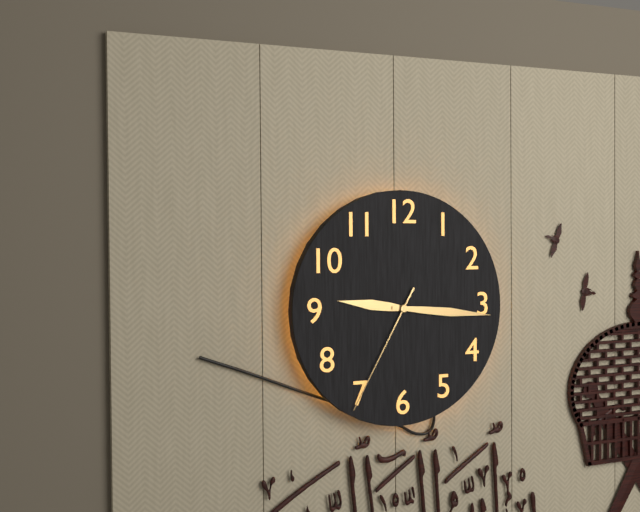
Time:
9.16.35
